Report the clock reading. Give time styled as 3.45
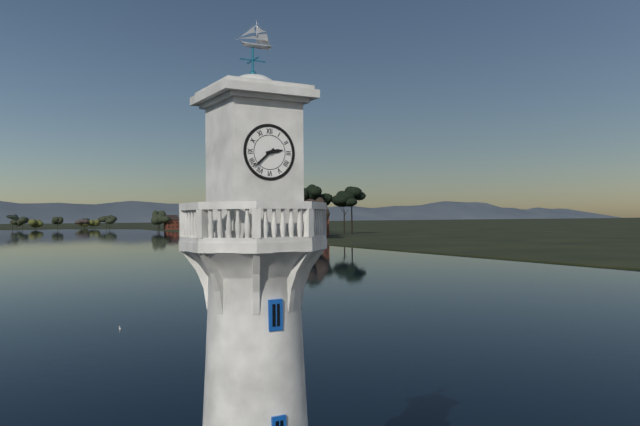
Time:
2.38
